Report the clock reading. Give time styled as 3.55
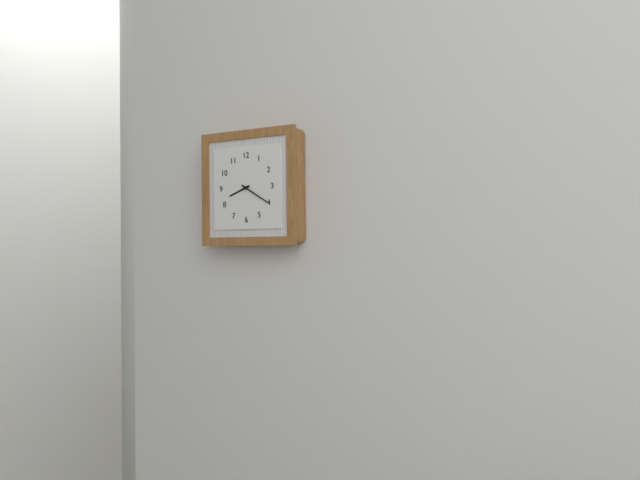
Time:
8.20
